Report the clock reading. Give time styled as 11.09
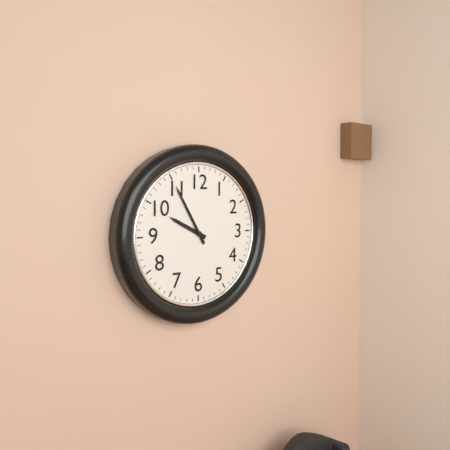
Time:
9.55
